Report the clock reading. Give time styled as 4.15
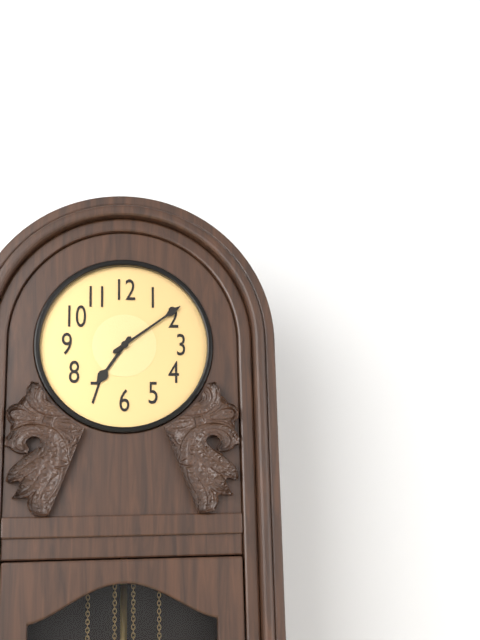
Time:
7.09
